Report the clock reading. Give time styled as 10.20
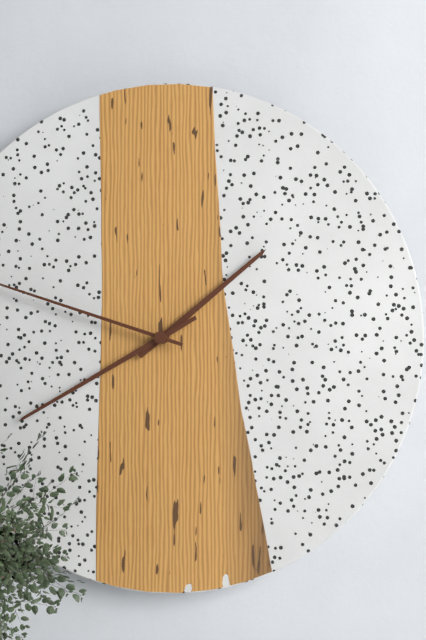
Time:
1.40
